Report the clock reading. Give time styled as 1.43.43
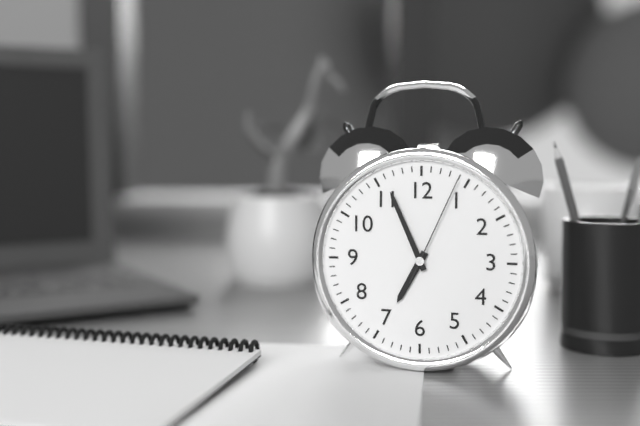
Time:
6.56.04
